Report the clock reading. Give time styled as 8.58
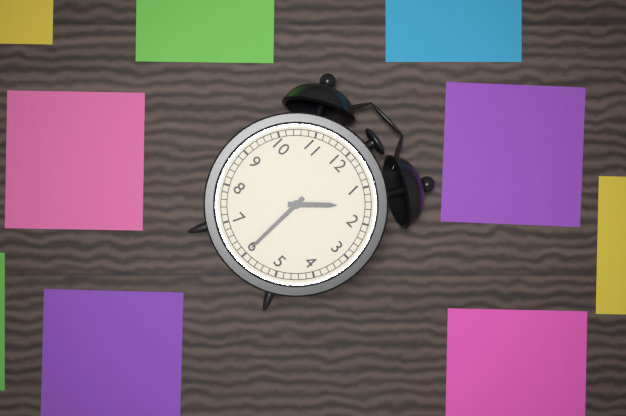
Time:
1.30
